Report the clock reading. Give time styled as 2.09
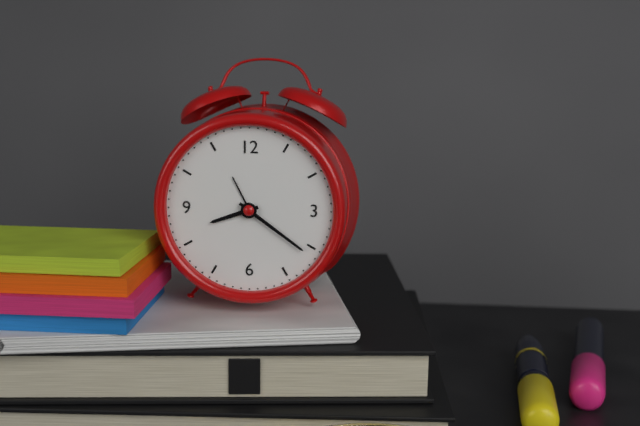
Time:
8.21
